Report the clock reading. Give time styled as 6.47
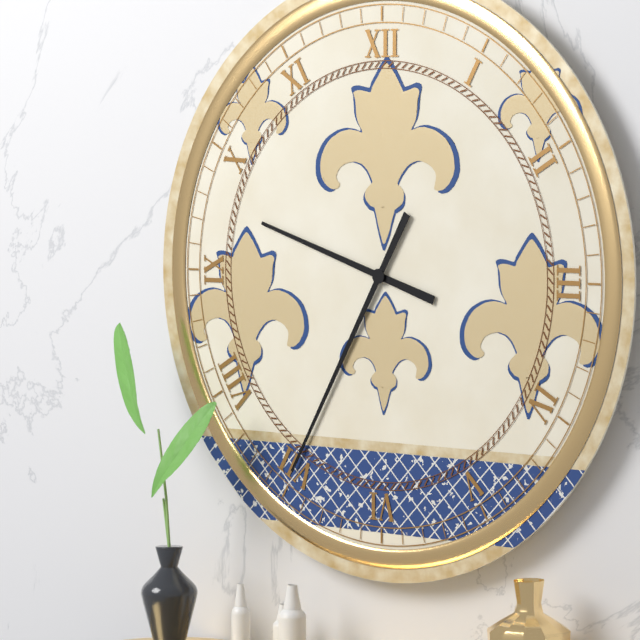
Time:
9.35
